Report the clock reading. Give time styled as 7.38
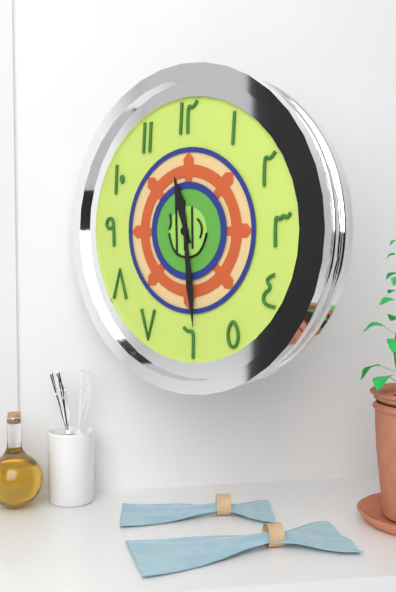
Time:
11.29
